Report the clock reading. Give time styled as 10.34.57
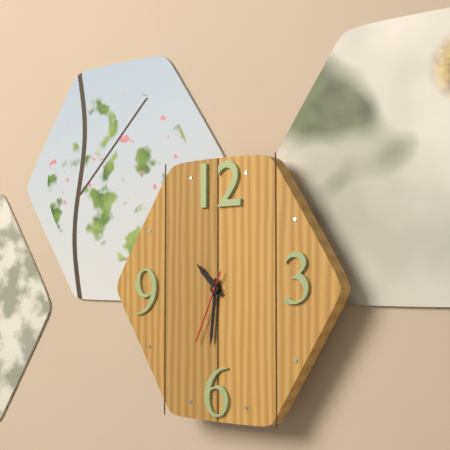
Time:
10.31.34
